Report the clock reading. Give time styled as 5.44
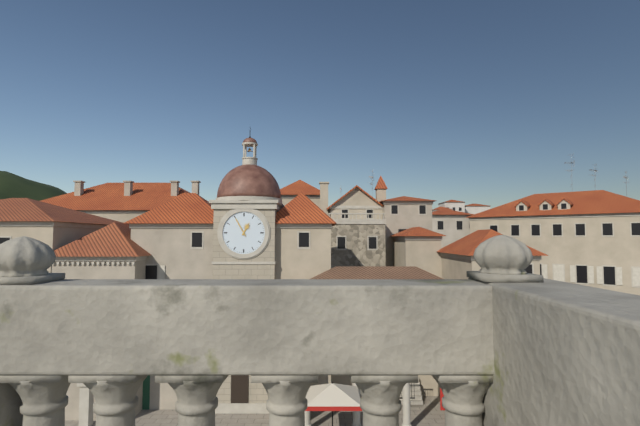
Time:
12.55
